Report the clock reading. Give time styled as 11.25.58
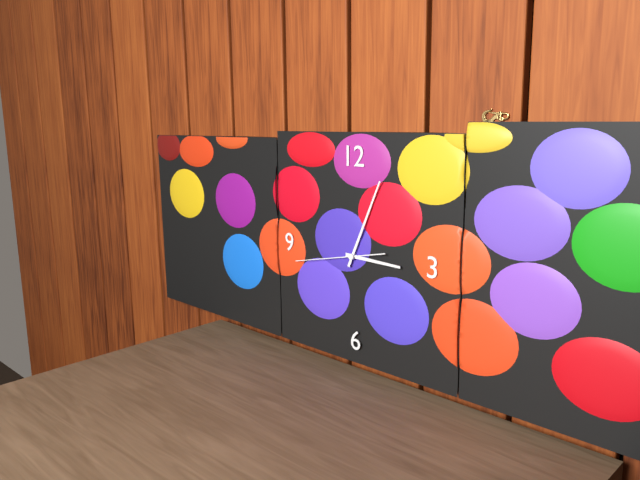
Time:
3.04.43
